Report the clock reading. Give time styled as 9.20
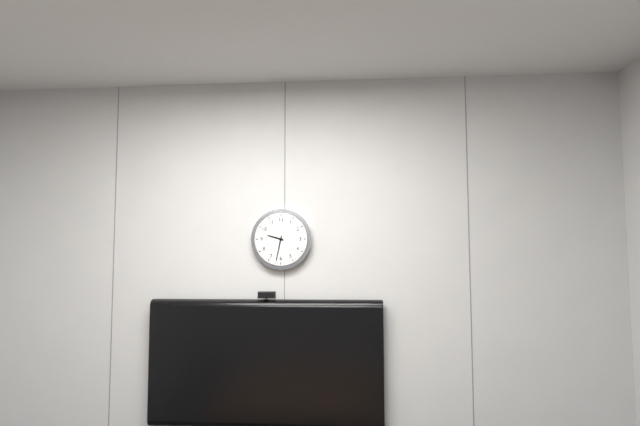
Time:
9.32
